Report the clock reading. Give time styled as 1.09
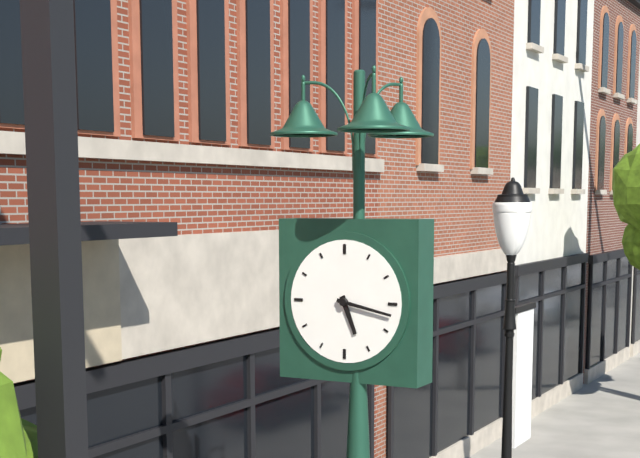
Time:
5.17
